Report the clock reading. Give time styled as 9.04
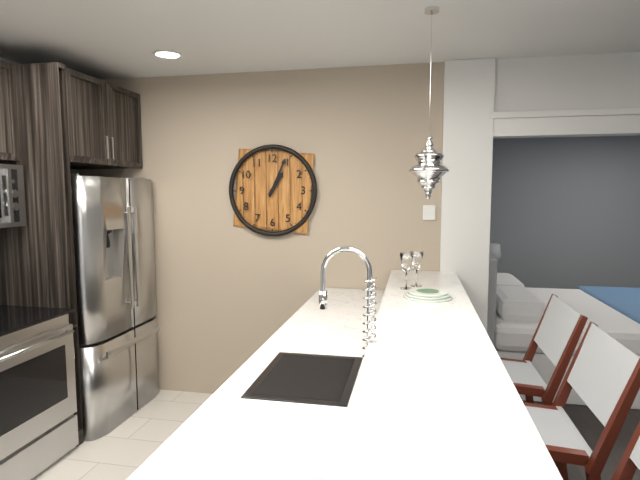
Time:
1.04
